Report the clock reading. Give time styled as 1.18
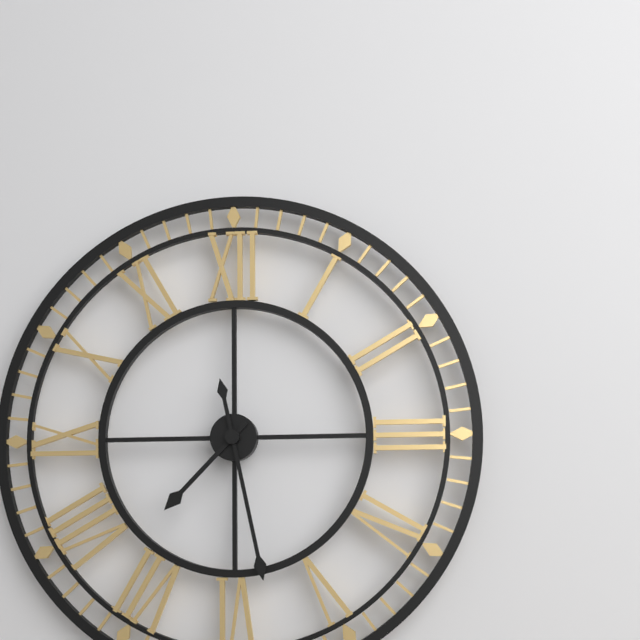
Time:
7.28
